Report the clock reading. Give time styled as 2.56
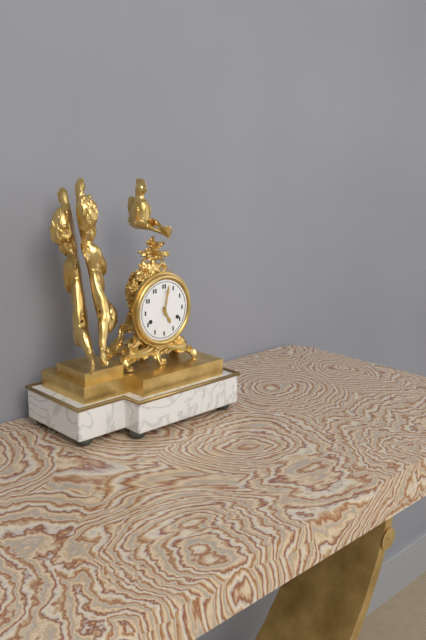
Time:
5.02
